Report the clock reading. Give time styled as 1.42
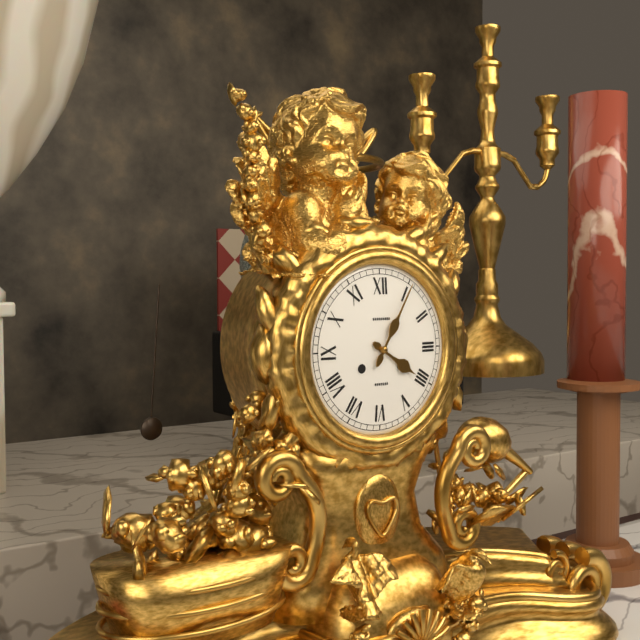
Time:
4.05
